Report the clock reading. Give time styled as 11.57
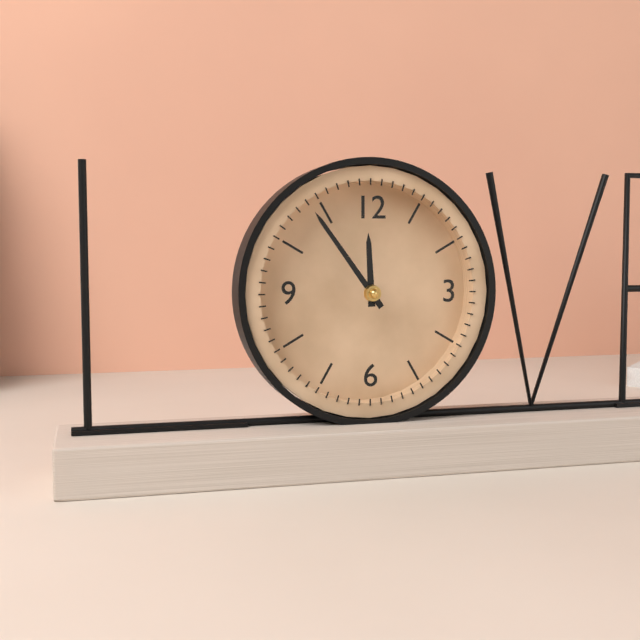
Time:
11.54
